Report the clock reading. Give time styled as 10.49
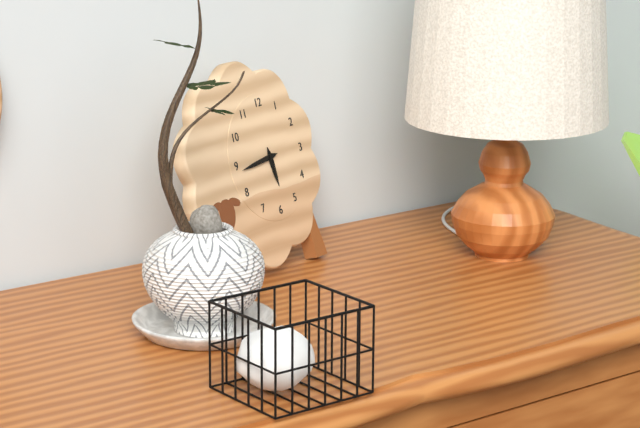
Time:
5.44
